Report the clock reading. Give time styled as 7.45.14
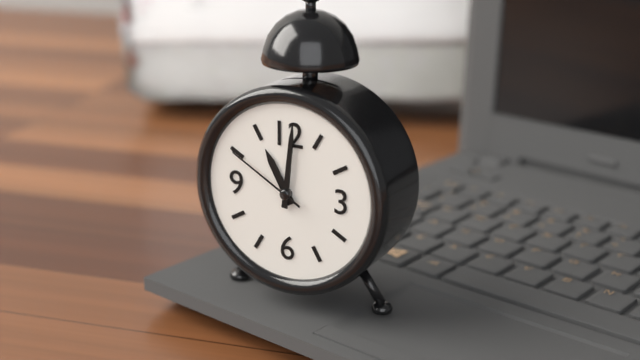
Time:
11.01.50
